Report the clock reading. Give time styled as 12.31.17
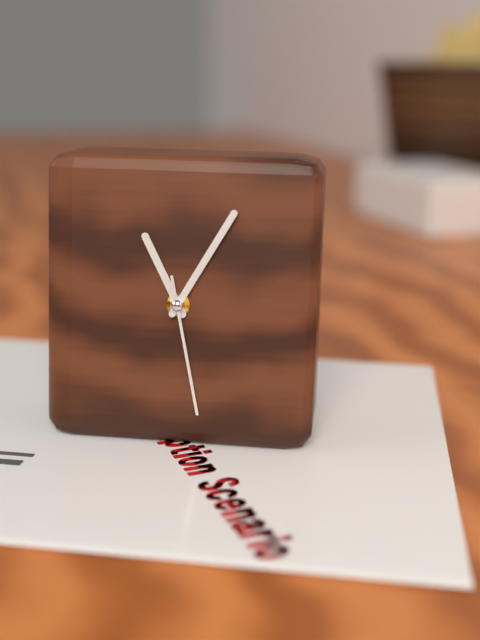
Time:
11.05.28
